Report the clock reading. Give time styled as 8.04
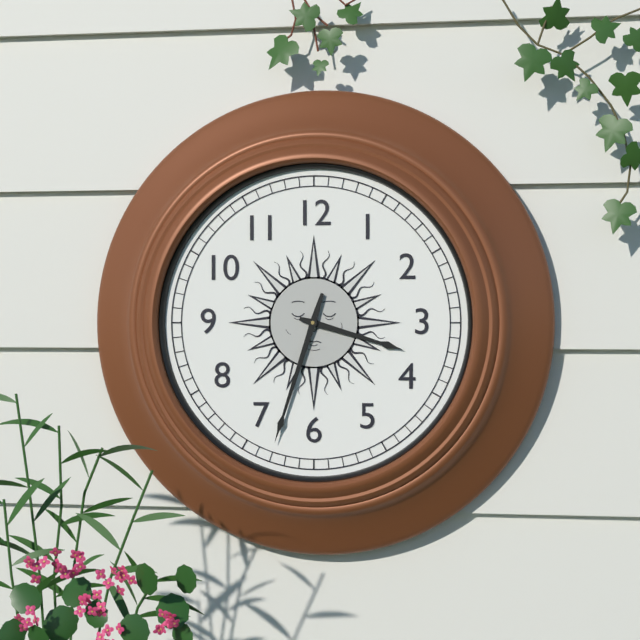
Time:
3.33
